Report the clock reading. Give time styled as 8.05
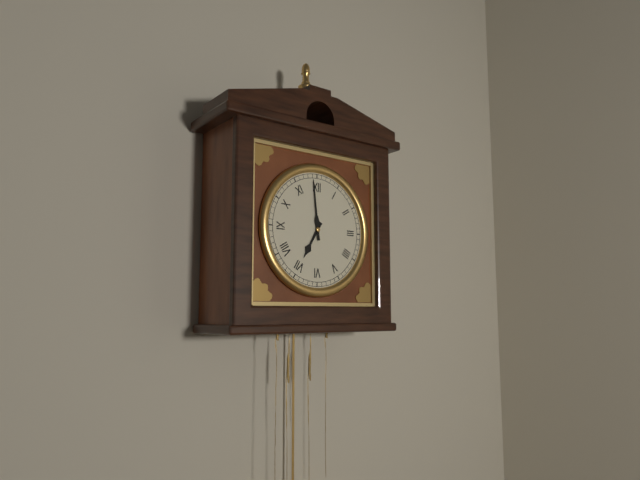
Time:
6.59
